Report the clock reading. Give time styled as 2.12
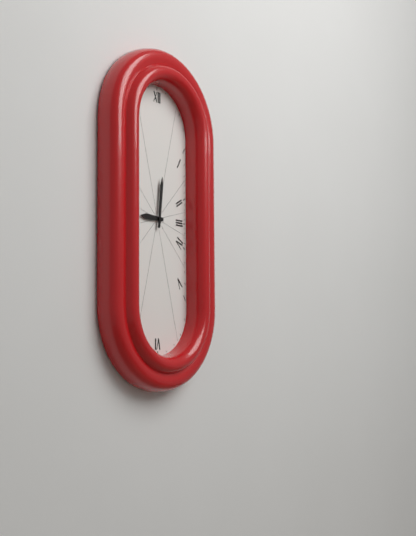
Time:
9.01
